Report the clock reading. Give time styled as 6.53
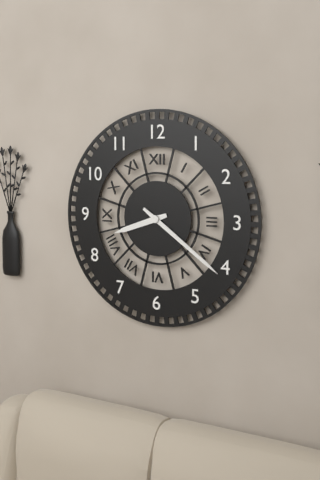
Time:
8.21
